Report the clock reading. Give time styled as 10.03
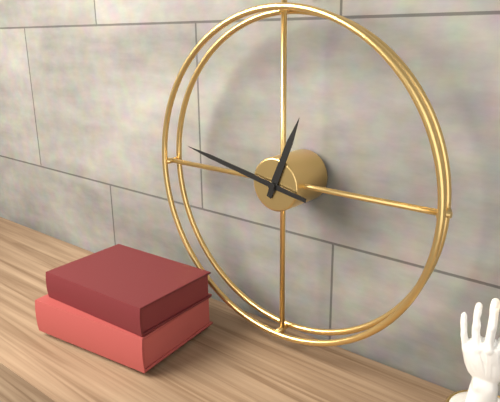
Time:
12.47
